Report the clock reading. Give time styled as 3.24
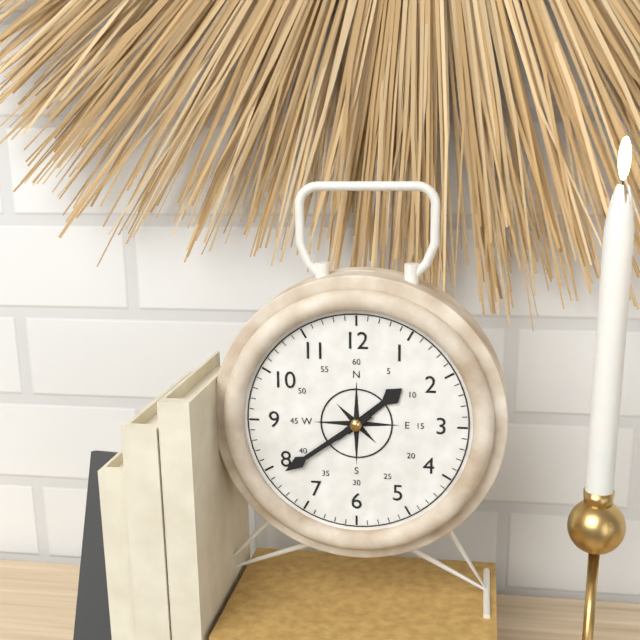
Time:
1.39
